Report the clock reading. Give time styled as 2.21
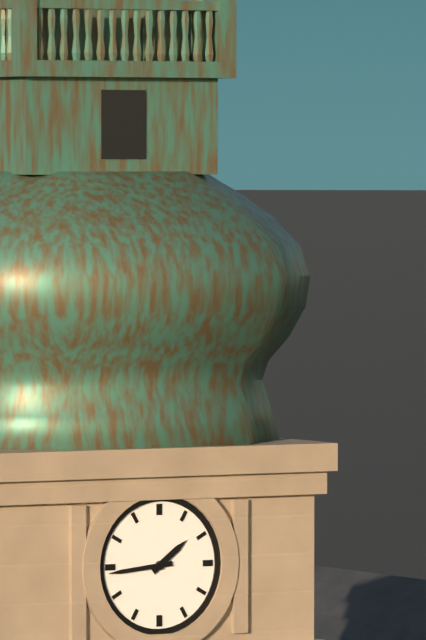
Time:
1.44
